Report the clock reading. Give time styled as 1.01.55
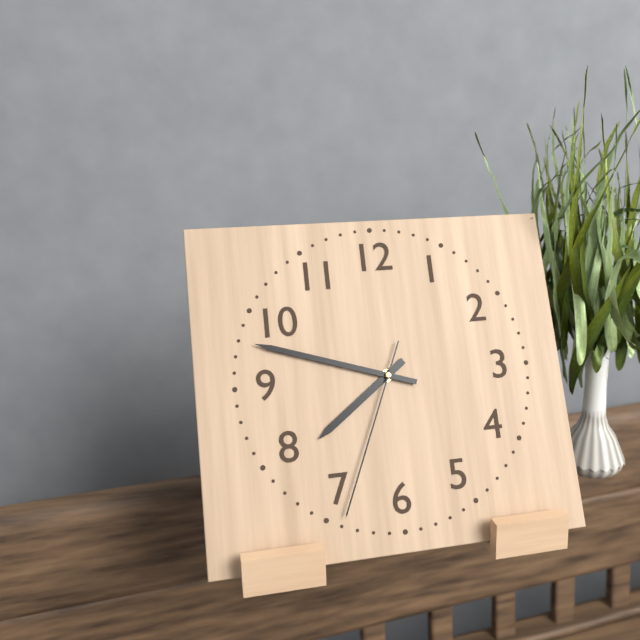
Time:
7.48.34
